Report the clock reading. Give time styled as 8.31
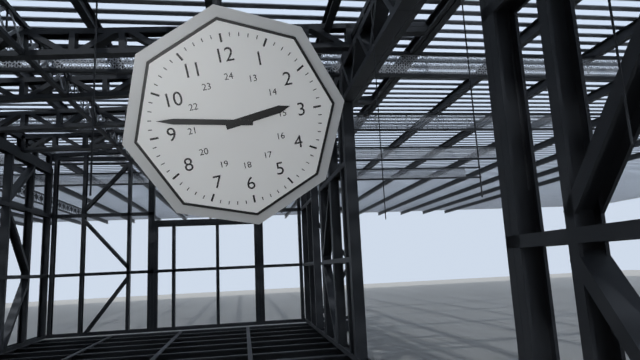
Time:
2.47
